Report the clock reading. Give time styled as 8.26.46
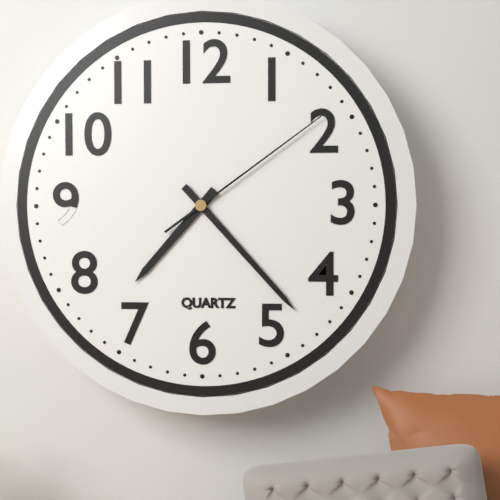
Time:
7.23.09
